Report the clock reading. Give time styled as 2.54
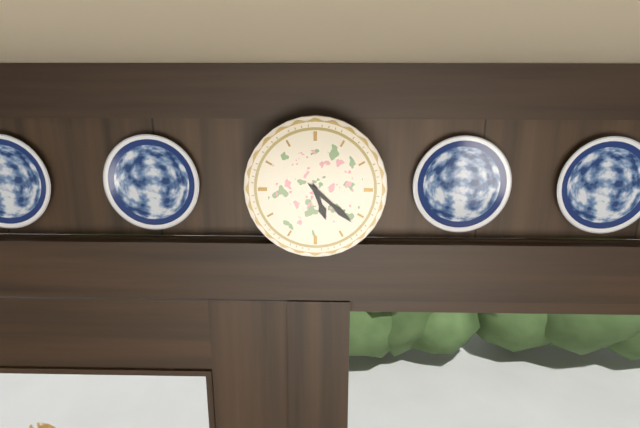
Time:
5.22
